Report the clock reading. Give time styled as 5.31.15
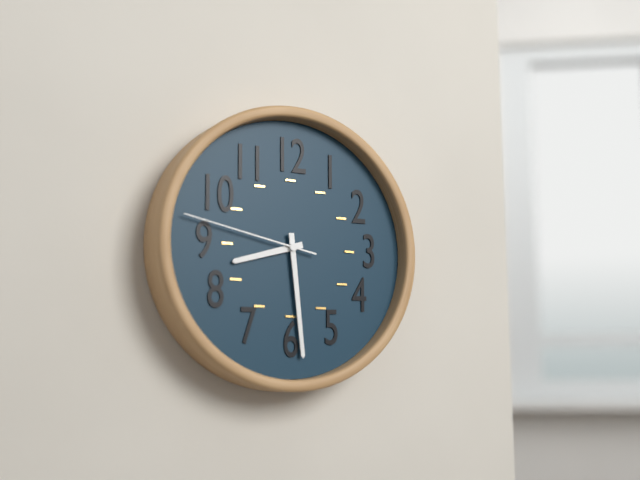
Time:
8.29.47
